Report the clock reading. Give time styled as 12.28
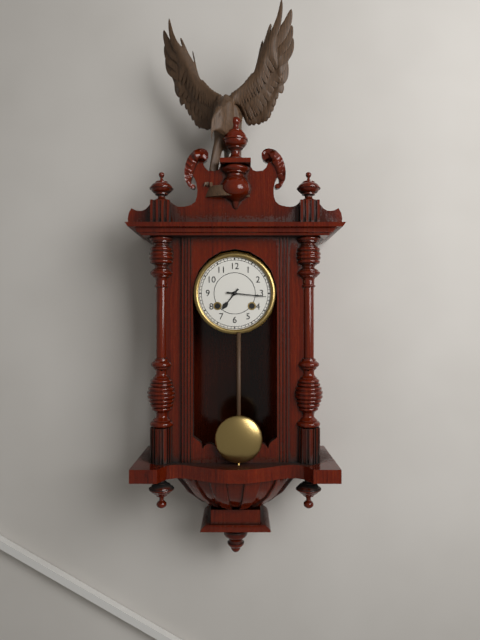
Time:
7.16
